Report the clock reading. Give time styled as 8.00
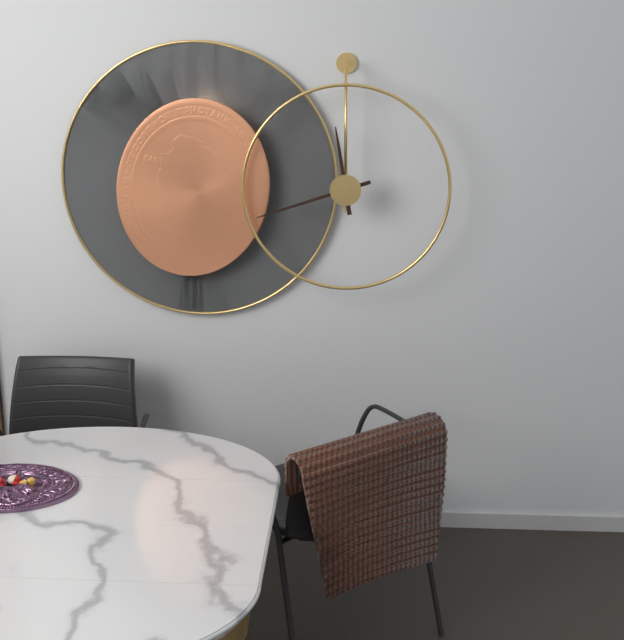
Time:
11.42
